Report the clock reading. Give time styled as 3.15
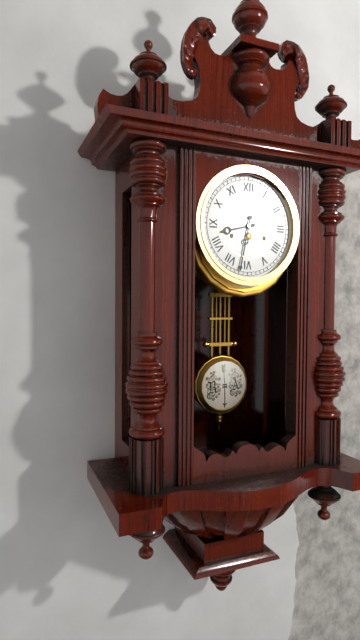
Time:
8.32
